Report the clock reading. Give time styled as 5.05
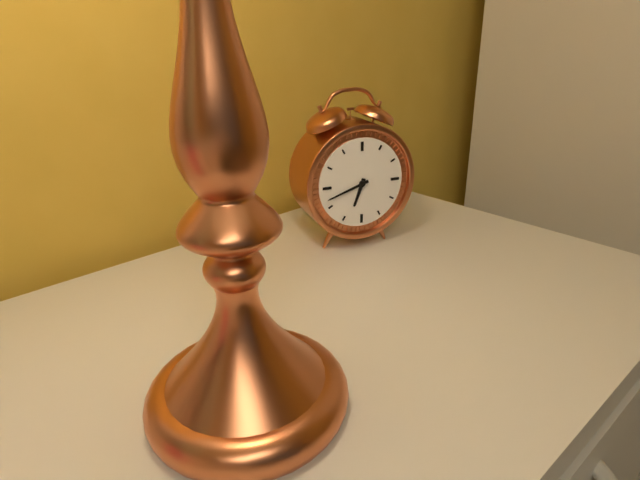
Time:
6.42
